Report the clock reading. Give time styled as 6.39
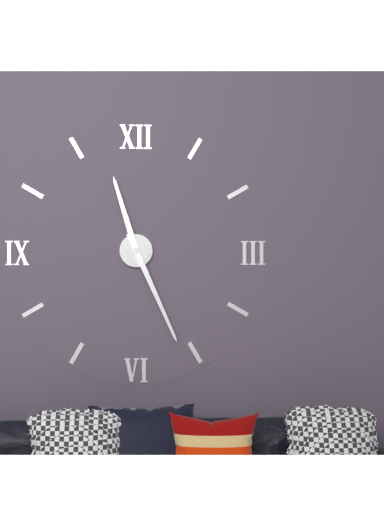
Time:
11.26
